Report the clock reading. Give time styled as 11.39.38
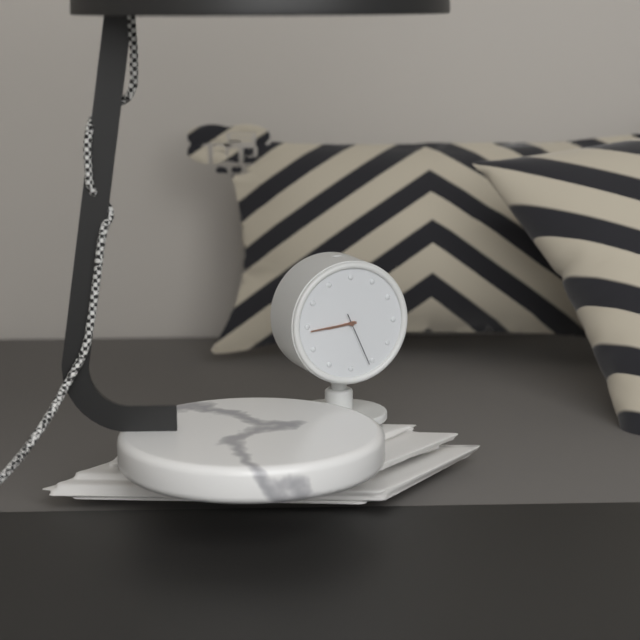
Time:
8.44.26
